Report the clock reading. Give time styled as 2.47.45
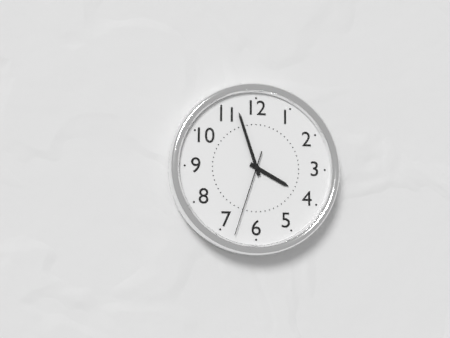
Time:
3.57.33
